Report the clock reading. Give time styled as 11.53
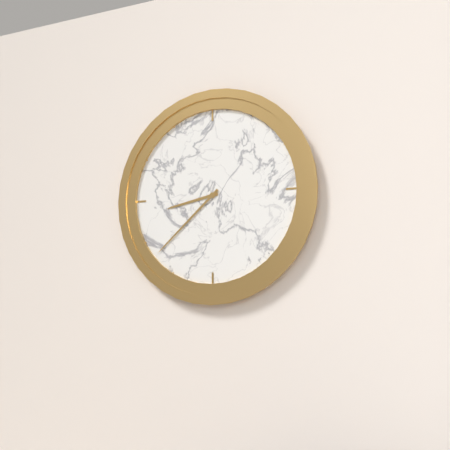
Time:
8.38
